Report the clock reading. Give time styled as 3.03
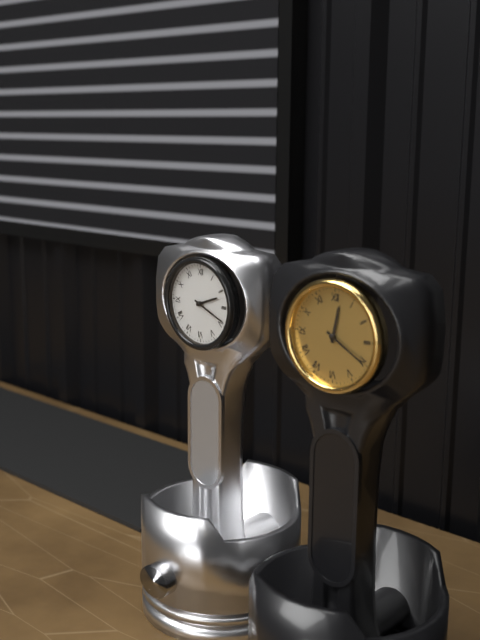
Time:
2.19
